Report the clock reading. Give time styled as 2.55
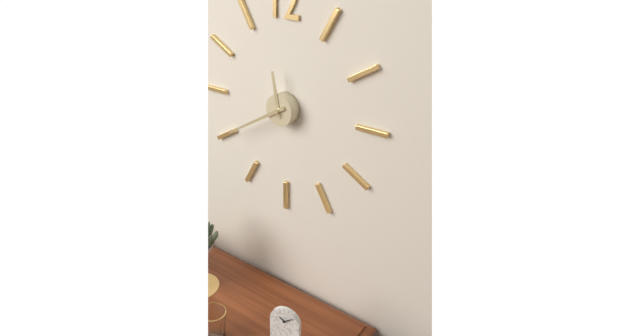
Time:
11.40
